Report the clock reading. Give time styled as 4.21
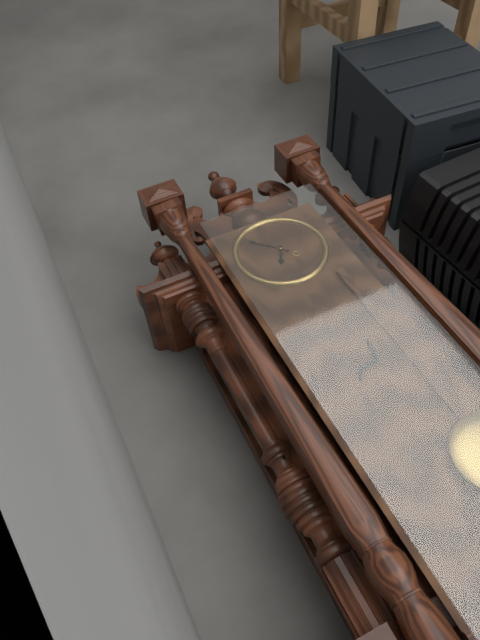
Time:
6.53
